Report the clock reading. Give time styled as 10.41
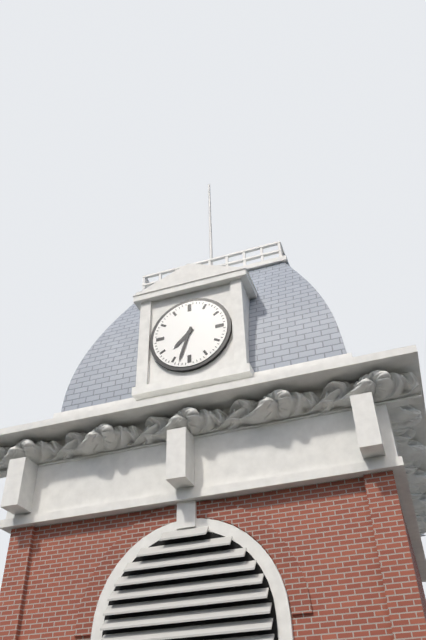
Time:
7.33
